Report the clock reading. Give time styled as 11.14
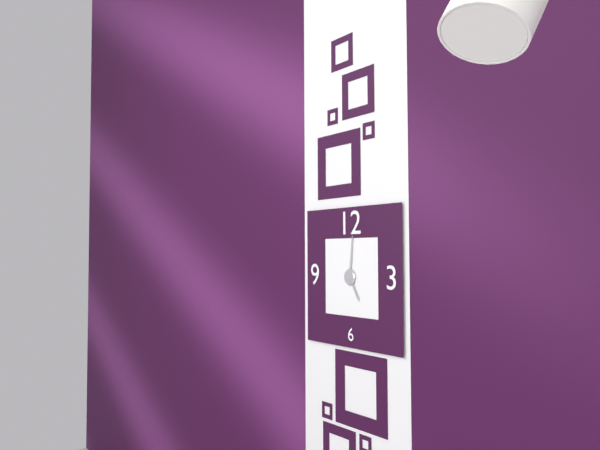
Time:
5.01
